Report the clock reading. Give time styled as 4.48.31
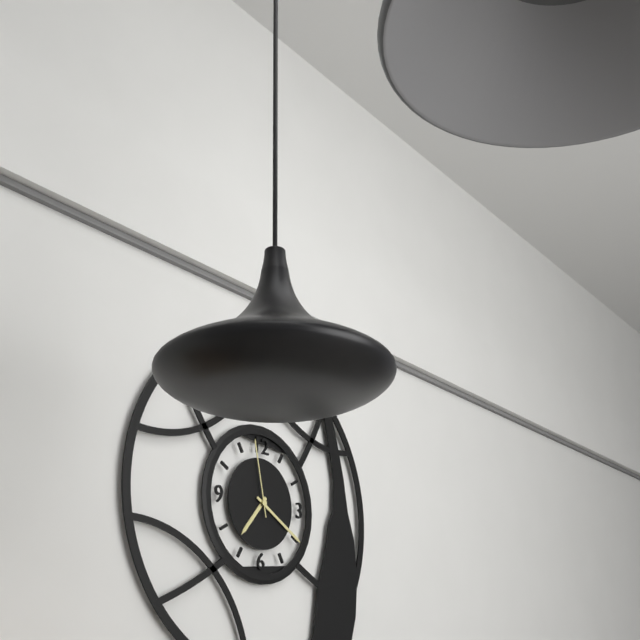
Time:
7.20.58
